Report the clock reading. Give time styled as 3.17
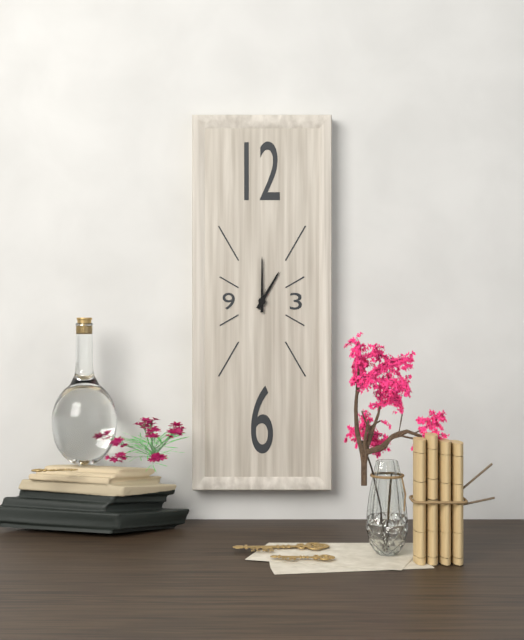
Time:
1.00
